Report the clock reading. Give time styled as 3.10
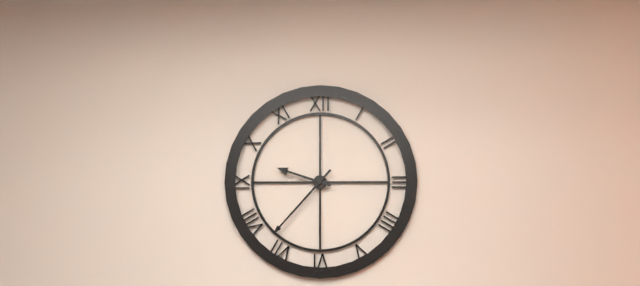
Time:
9.37
